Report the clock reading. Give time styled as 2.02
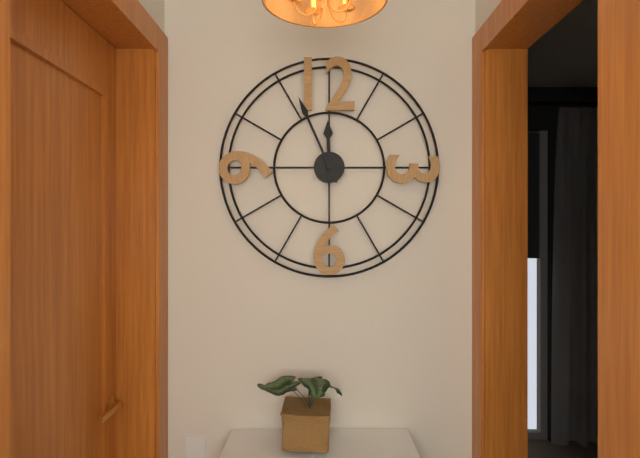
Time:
11.56
